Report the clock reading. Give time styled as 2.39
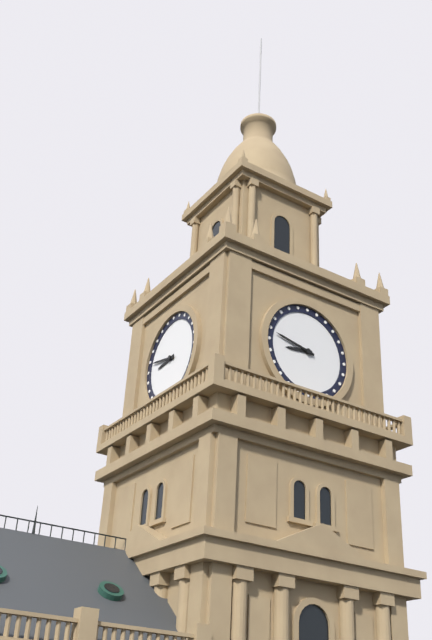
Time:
8.47
